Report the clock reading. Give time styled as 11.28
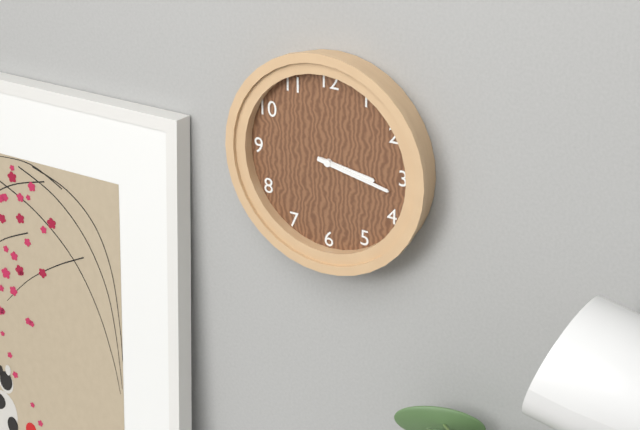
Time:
3.17
